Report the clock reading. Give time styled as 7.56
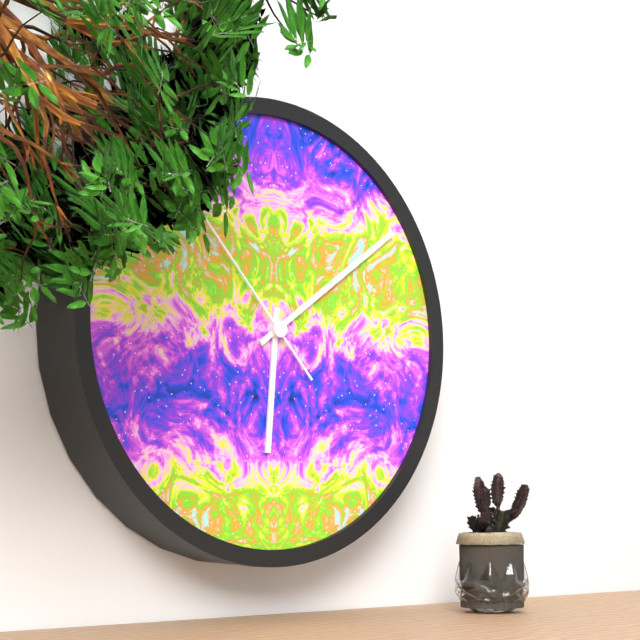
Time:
6.09
